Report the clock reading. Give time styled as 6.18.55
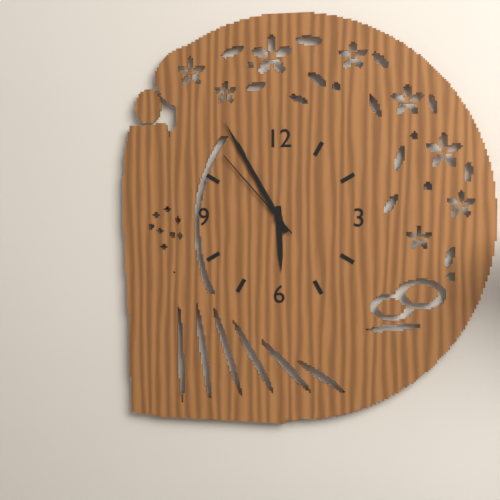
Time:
5.55.53
